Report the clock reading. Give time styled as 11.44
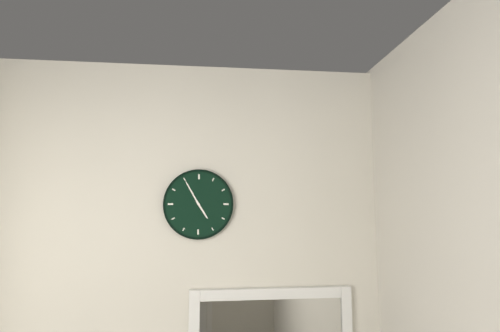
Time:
4.55
